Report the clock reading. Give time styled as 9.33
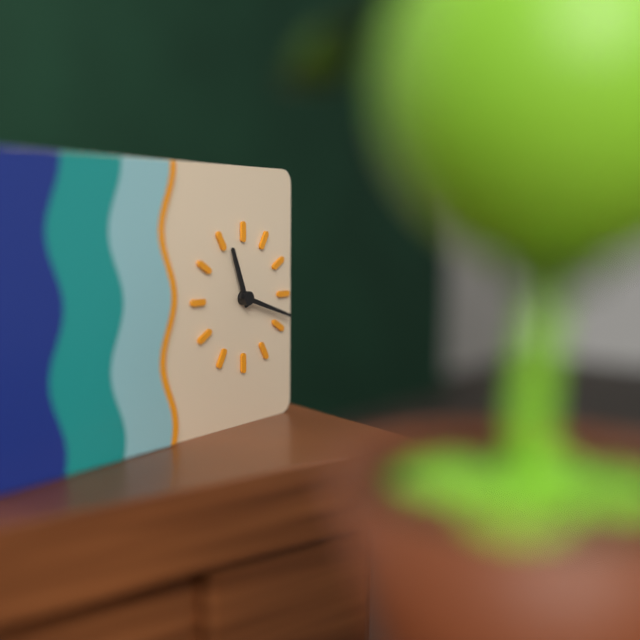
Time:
11.18
